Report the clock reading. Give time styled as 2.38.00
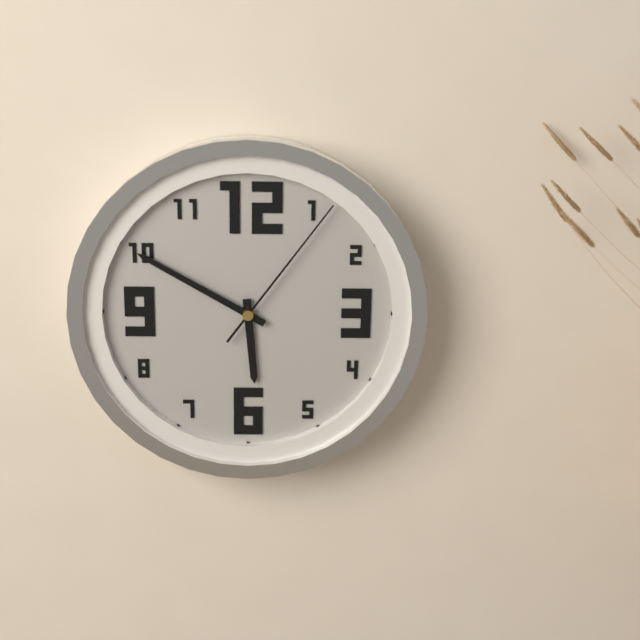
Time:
5.50.06
